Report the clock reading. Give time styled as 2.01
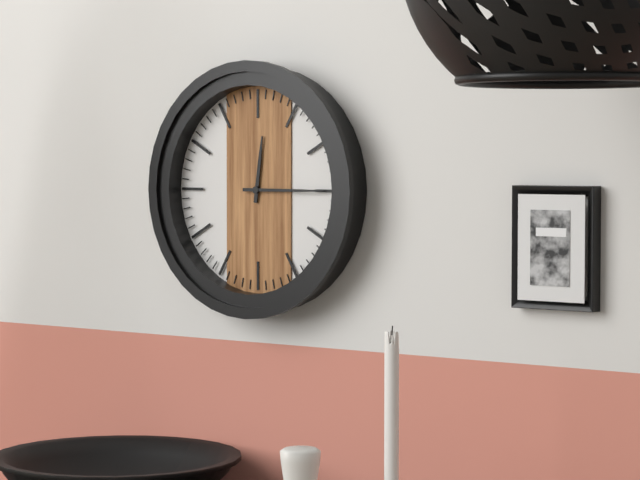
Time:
12.15
